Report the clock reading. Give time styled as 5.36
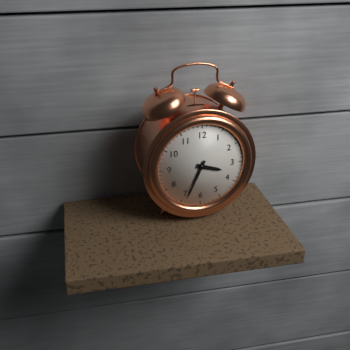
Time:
3.34
